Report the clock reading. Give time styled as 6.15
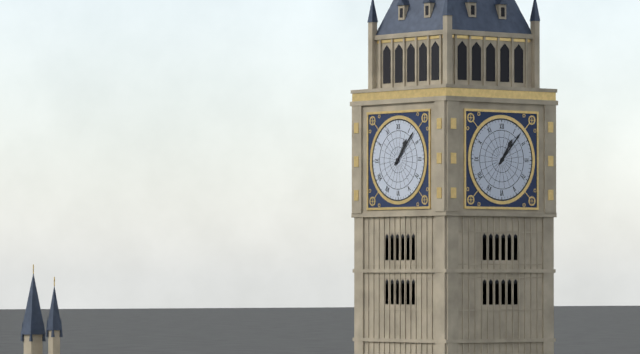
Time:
1.07
